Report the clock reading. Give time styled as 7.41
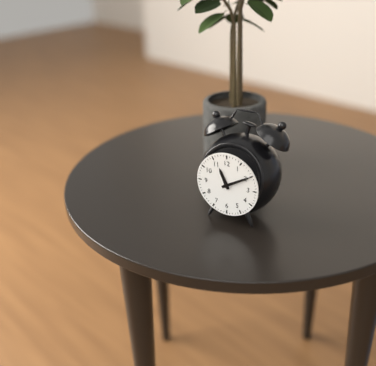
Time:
11.10
